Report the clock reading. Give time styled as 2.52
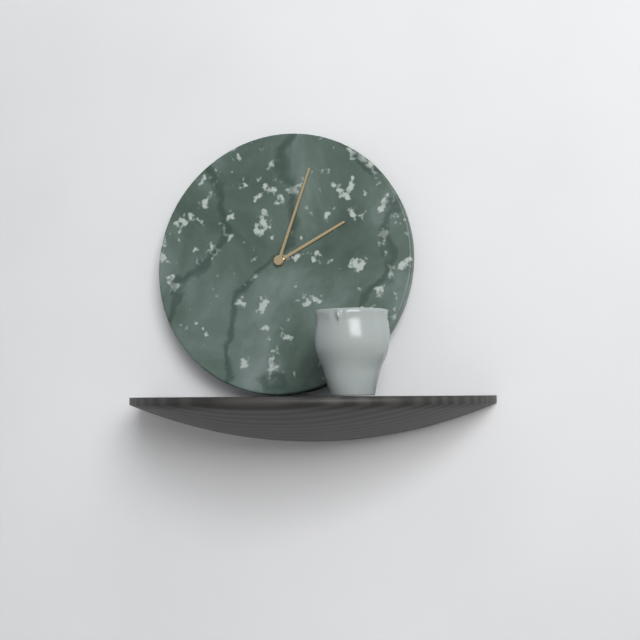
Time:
2.03
